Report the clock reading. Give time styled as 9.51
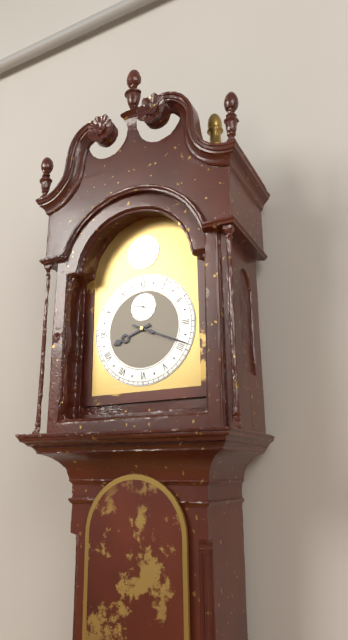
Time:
8.19
